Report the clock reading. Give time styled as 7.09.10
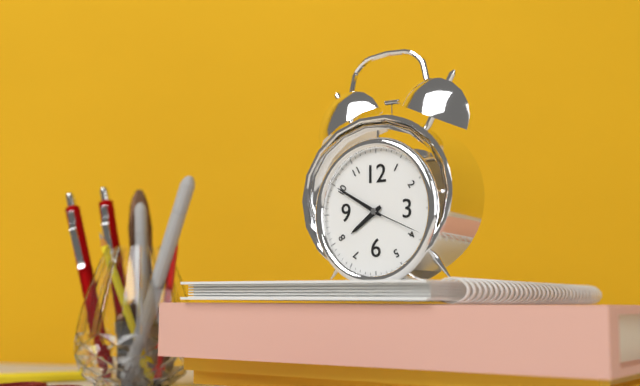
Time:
7.50.19
